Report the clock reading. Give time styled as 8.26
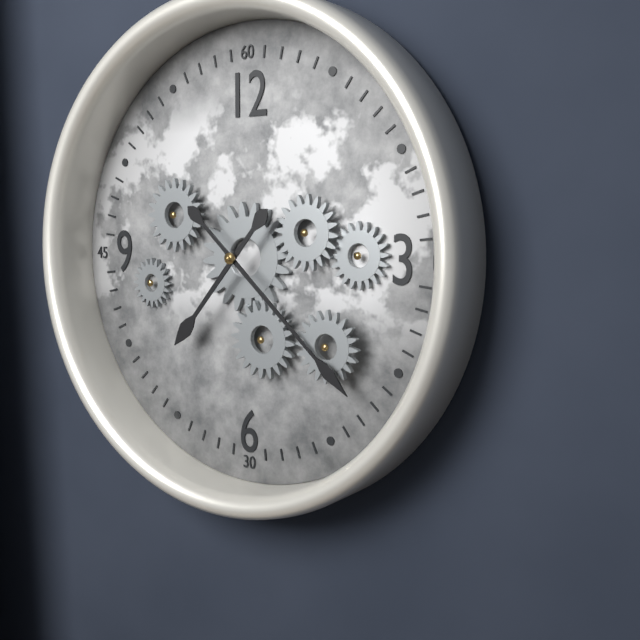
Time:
7.22
